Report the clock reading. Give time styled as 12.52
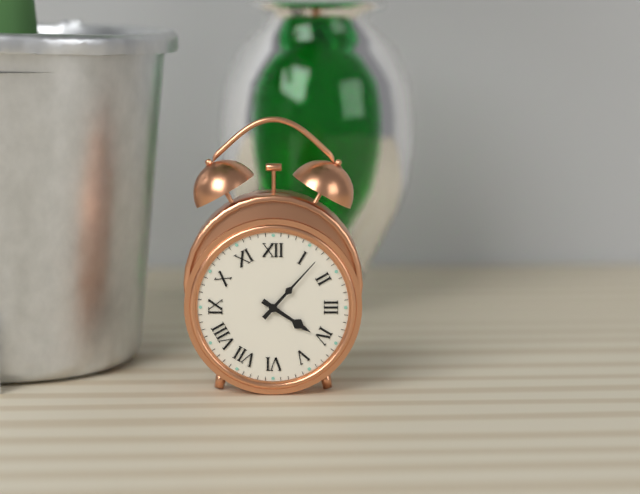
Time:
4.07
